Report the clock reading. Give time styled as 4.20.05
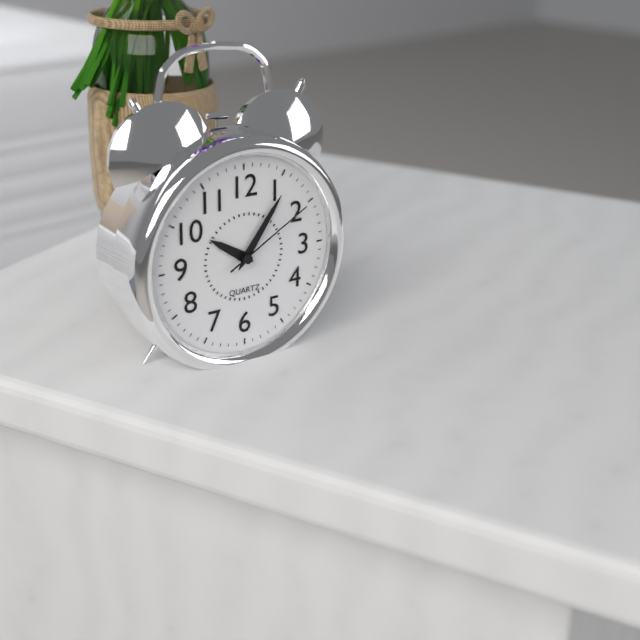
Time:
10.06.10
